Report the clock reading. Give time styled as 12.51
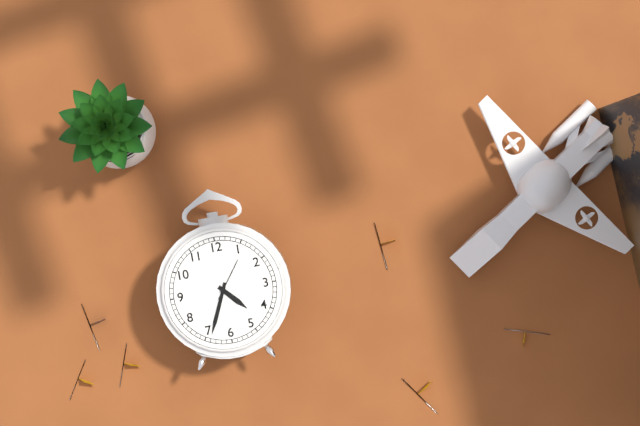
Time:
4.34
